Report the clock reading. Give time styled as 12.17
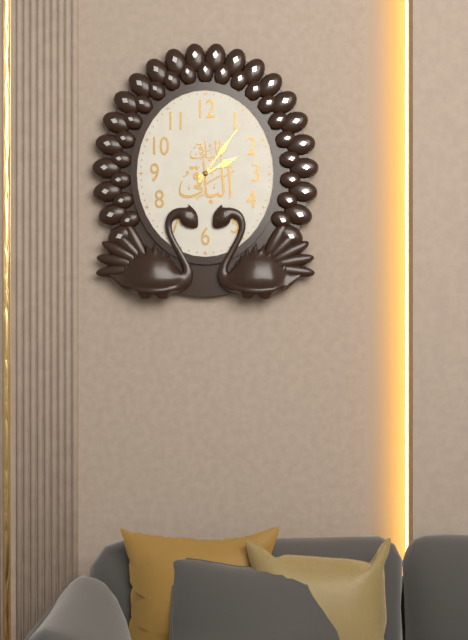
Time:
2.06
